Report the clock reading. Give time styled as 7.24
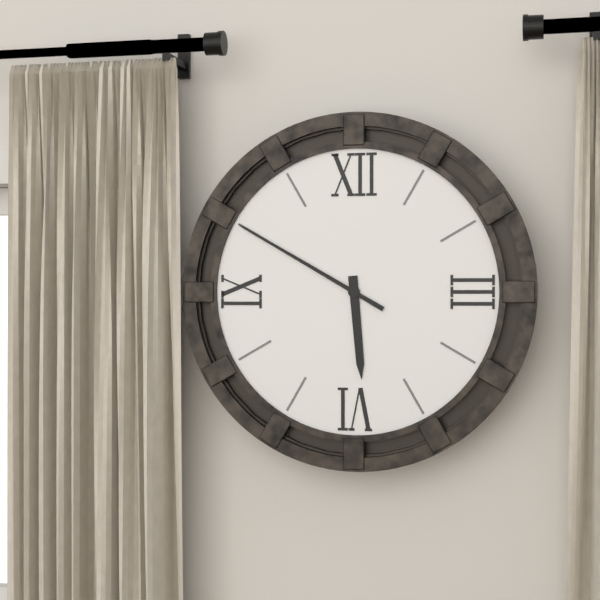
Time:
5.50
